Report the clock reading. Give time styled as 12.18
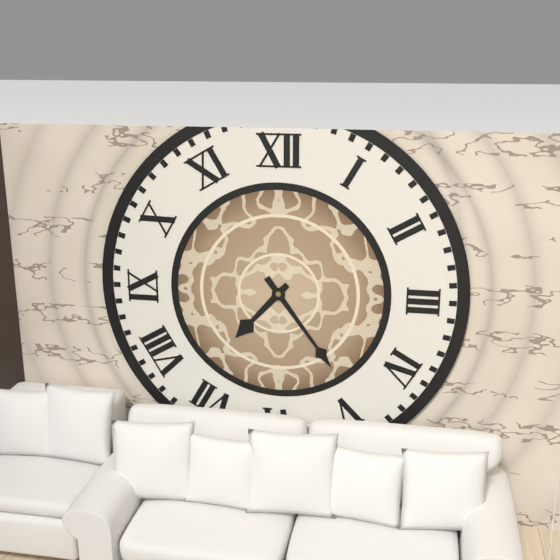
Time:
7.24
